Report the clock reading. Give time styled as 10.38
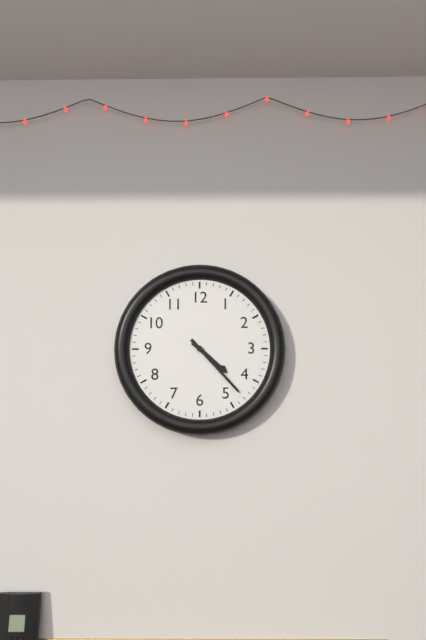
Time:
4.23
